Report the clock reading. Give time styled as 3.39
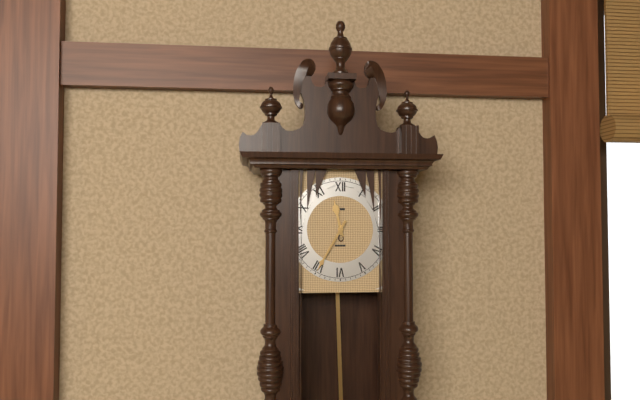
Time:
11.35
